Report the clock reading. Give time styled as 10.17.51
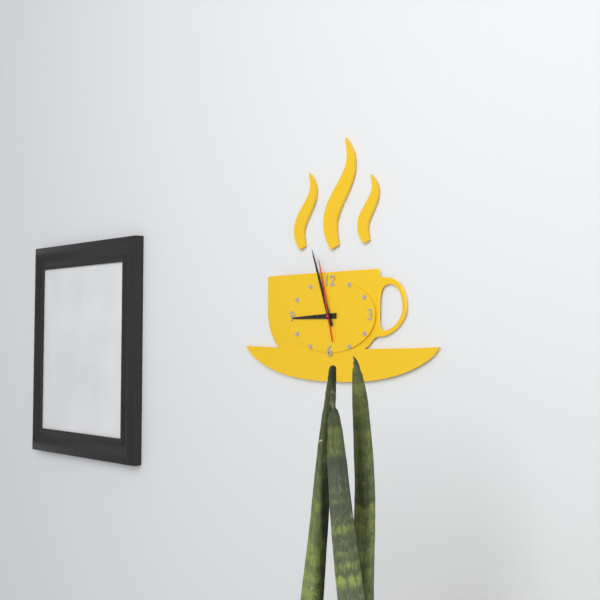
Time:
8.57.58
